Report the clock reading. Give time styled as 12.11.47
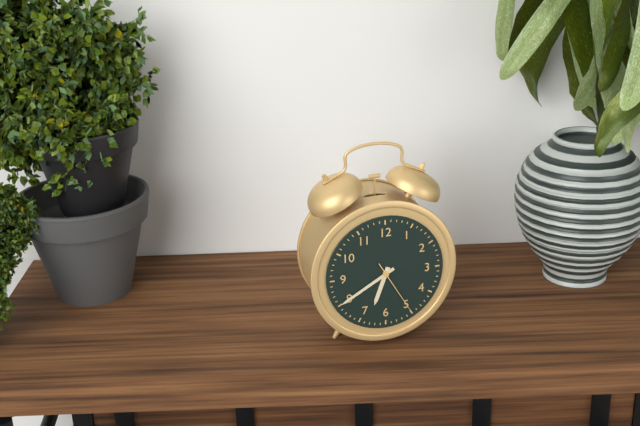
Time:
6.40.25
